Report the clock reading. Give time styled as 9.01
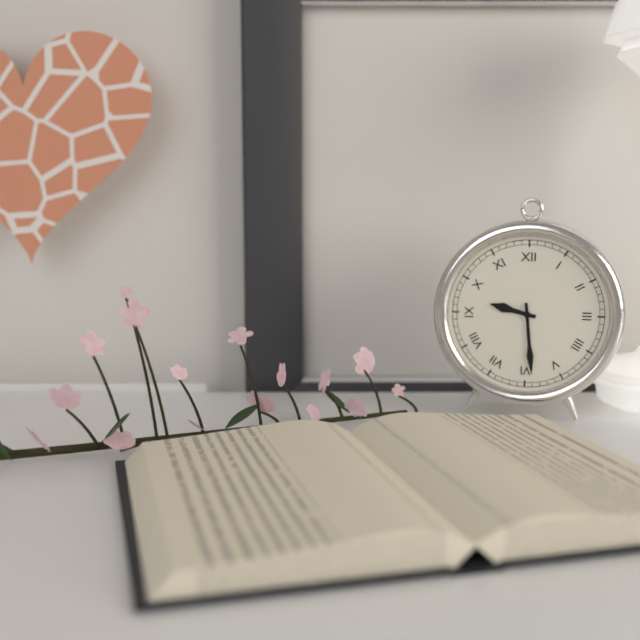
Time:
9.29
